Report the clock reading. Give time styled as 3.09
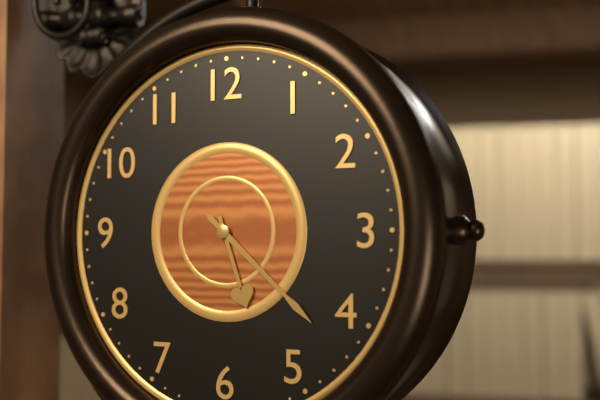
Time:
5.22
